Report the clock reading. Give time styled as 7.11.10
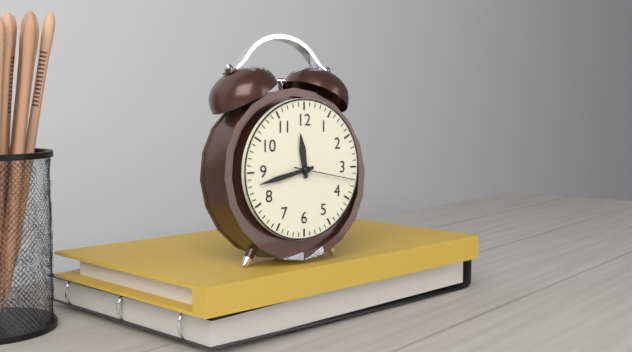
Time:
11.43.17
